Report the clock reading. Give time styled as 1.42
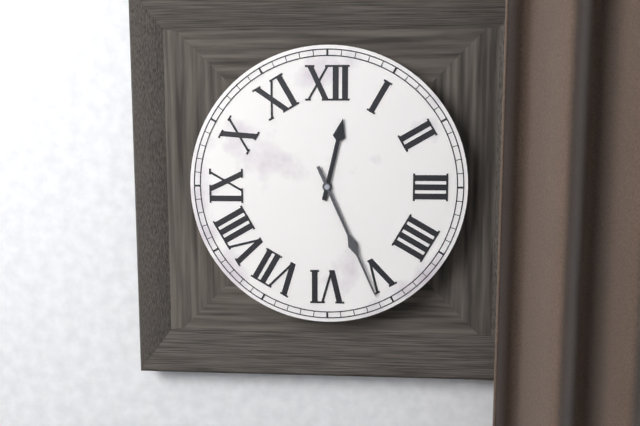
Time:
12.26
